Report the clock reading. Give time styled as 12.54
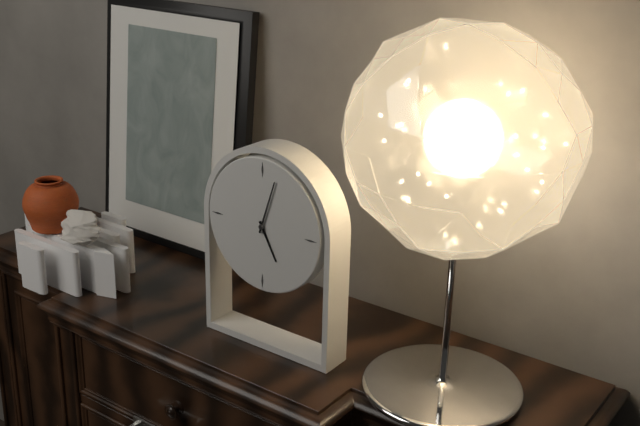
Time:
5.03
